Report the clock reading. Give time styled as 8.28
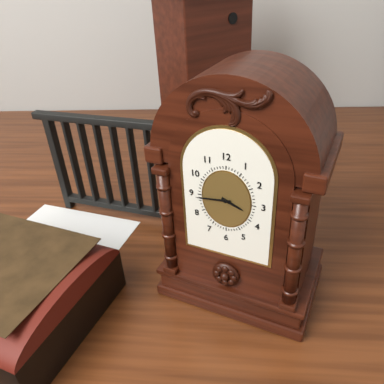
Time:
3.44
